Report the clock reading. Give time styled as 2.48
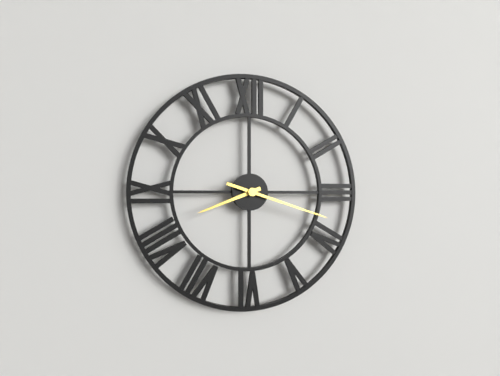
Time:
8.18
